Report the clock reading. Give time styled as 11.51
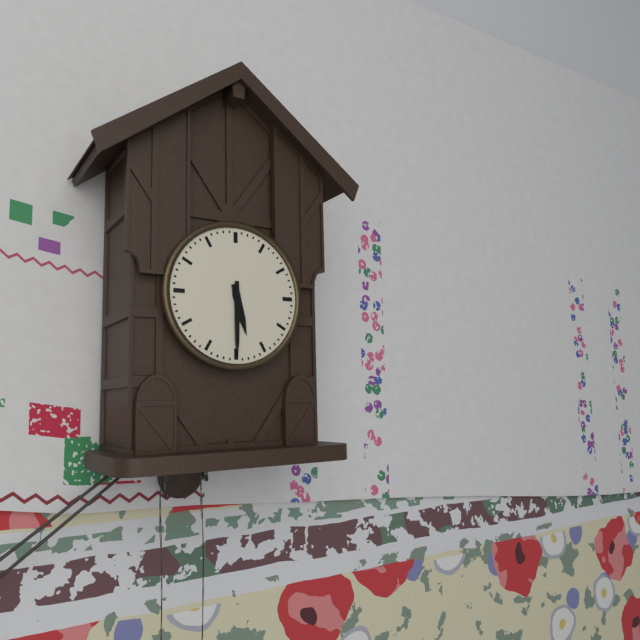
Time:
5.30
